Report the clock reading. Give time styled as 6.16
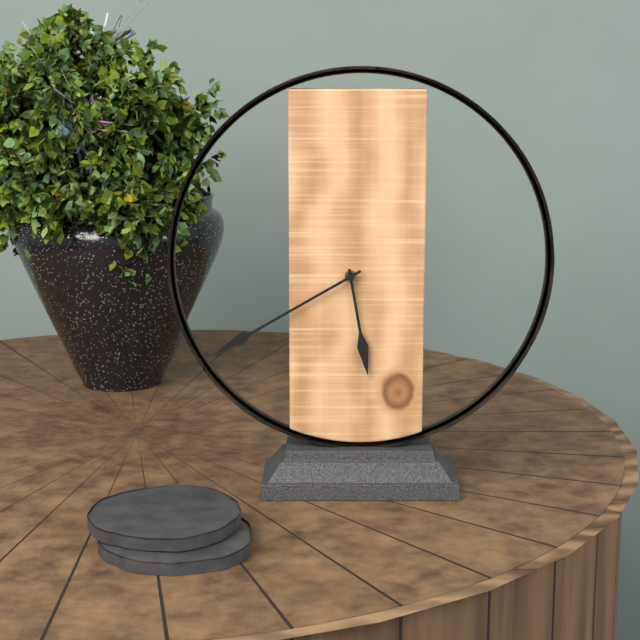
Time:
5.40
